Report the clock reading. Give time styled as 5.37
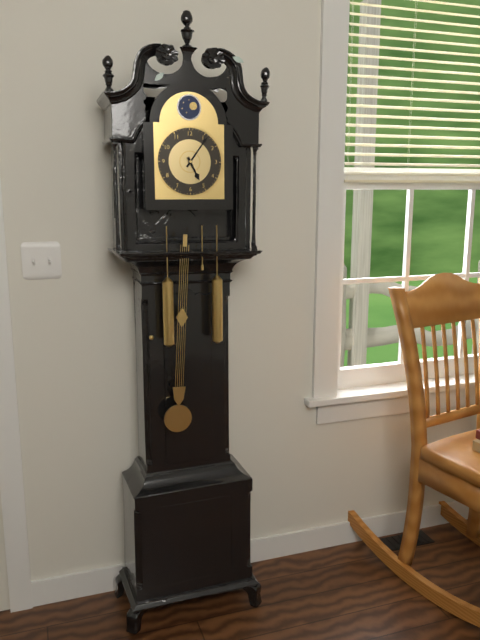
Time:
5.06
